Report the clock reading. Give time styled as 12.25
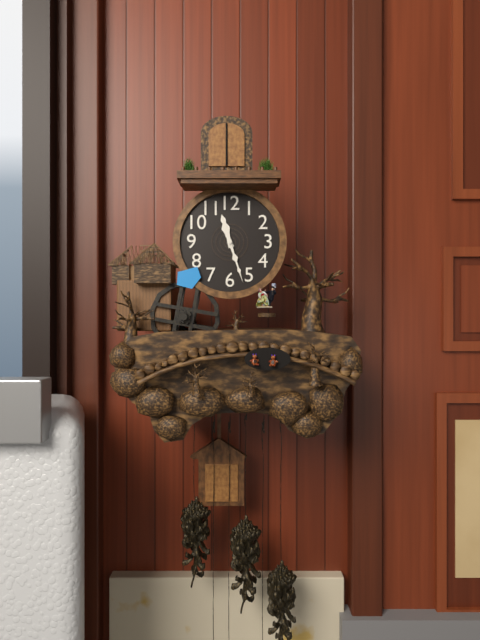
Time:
11.27
